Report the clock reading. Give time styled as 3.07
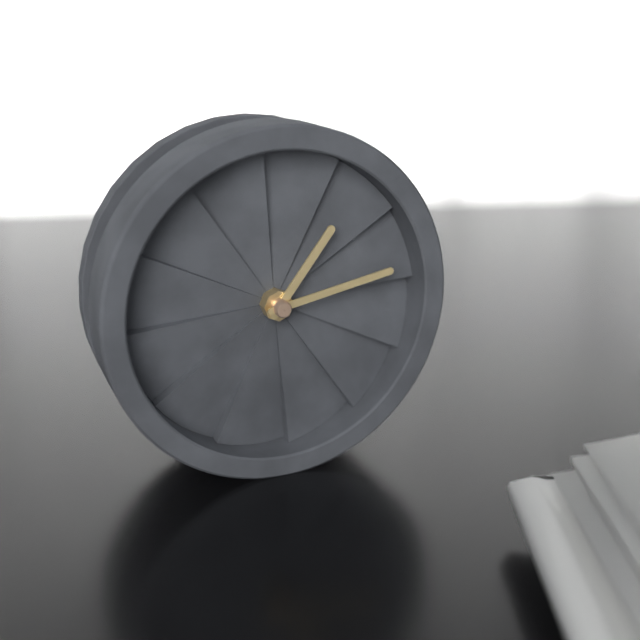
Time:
1.13
